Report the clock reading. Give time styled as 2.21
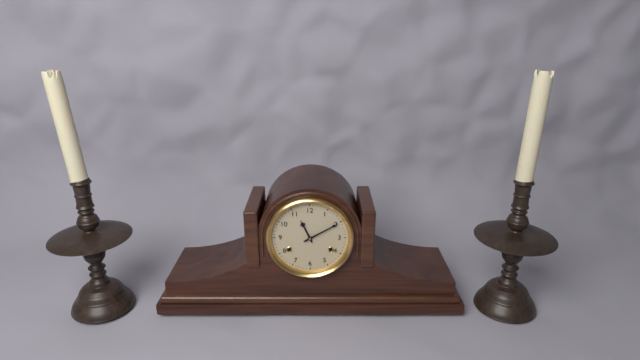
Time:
11.10
